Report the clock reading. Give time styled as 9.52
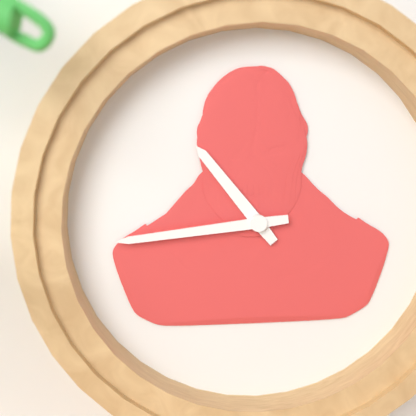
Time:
10.44
